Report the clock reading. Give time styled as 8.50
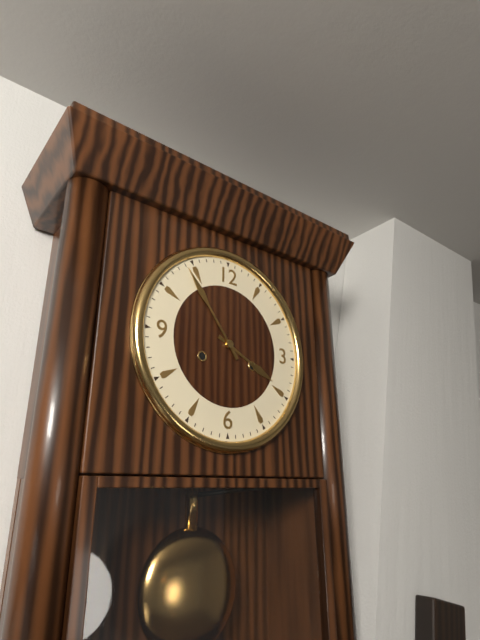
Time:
3.54
